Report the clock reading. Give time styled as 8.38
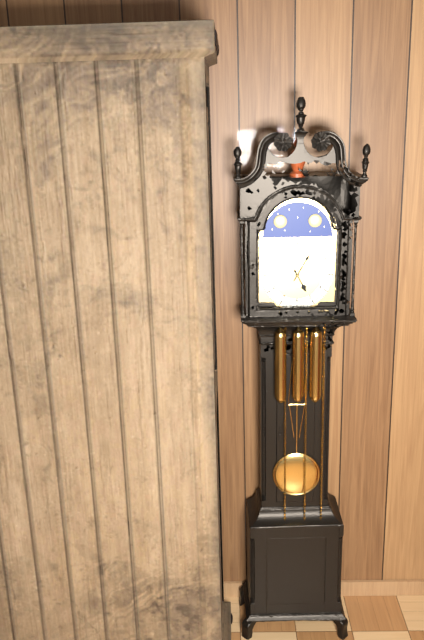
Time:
5.05
